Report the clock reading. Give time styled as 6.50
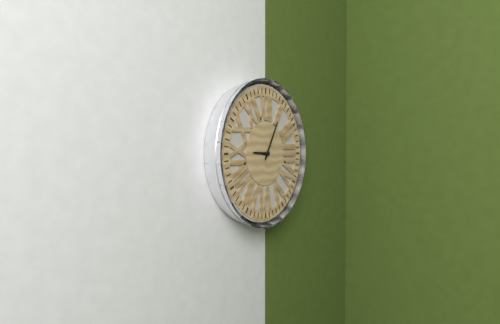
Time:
9.05
